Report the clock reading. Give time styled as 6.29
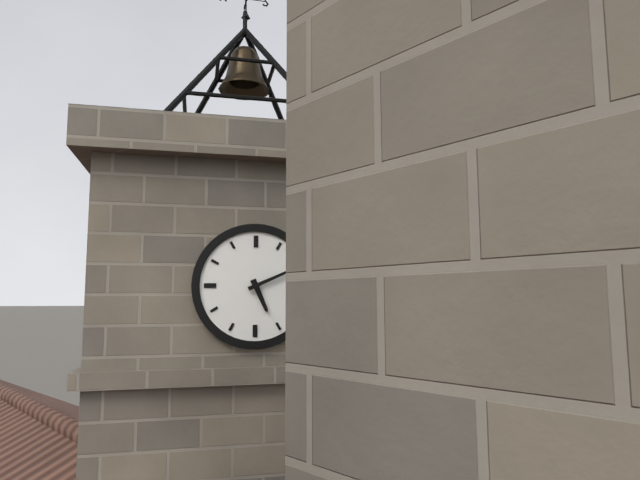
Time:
5.11
